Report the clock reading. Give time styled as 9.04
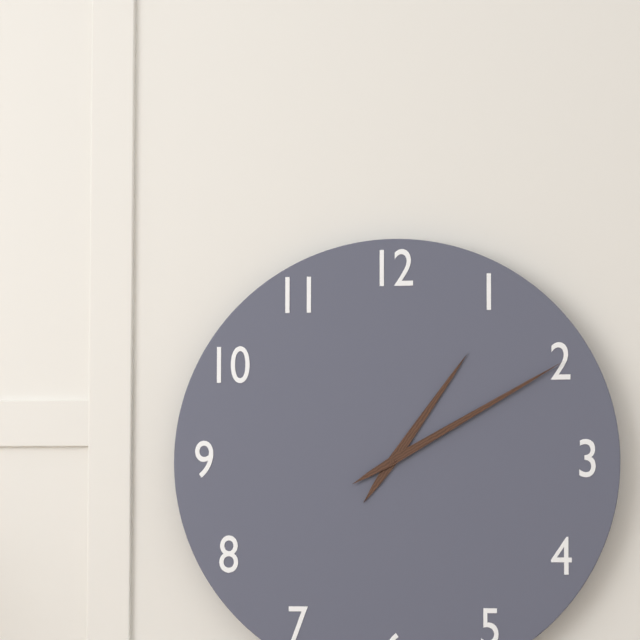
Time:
1.10
